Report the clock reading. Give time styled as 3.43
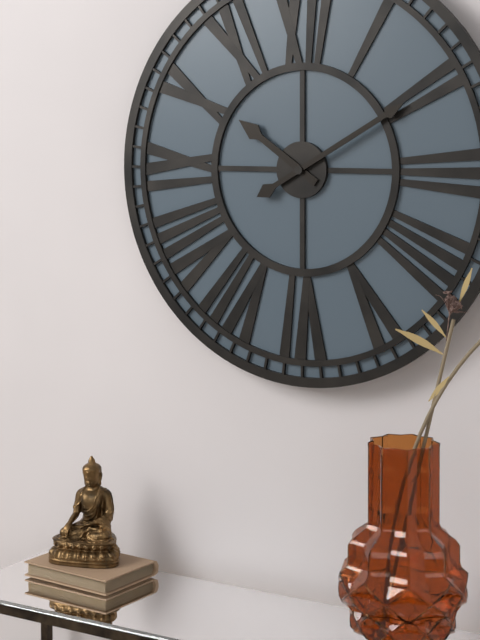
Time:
10.10
